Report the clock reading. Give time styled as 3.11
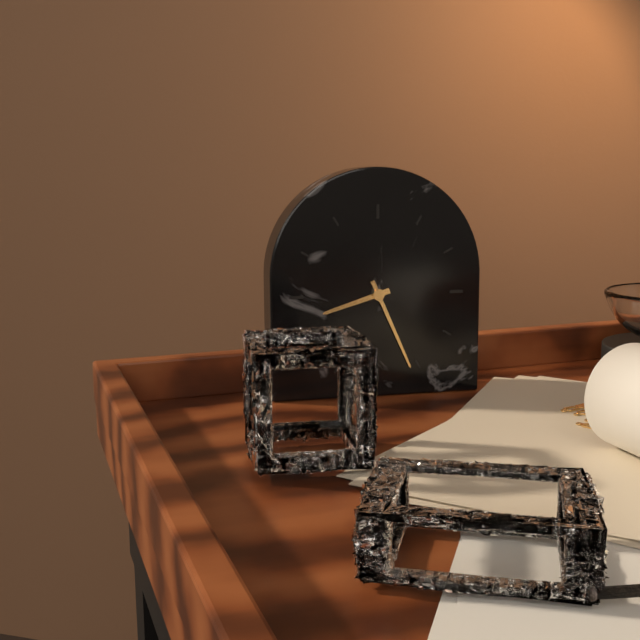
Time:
8.26
